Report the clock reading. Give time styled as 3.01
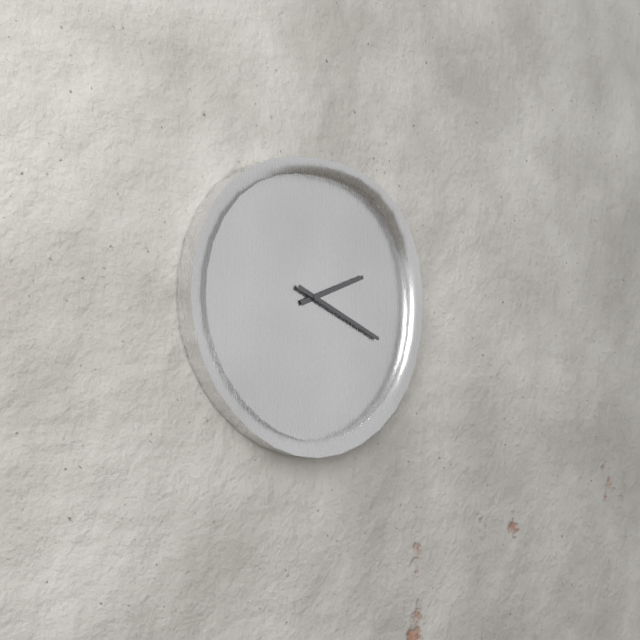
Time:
2.19
